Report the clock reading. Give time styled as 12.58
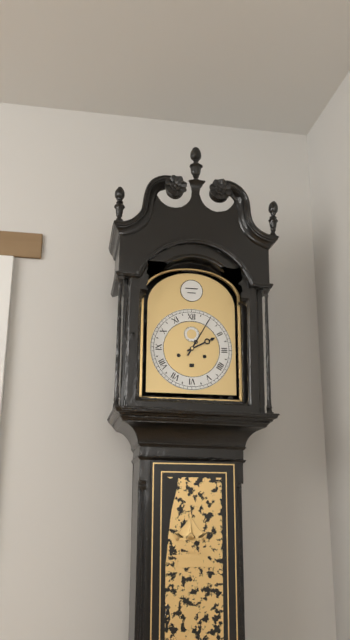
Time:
2.05
